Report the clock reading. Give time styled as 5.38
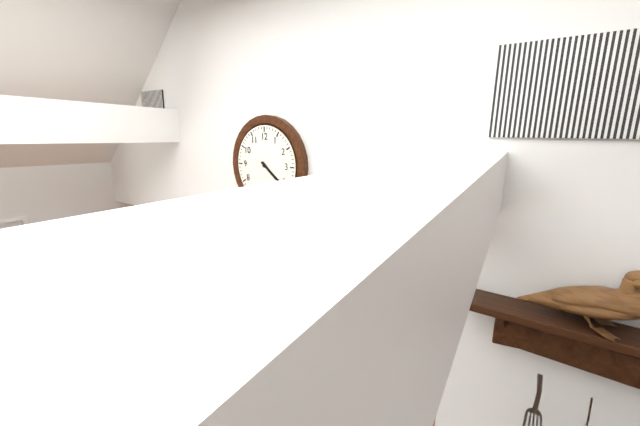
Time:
4.21
